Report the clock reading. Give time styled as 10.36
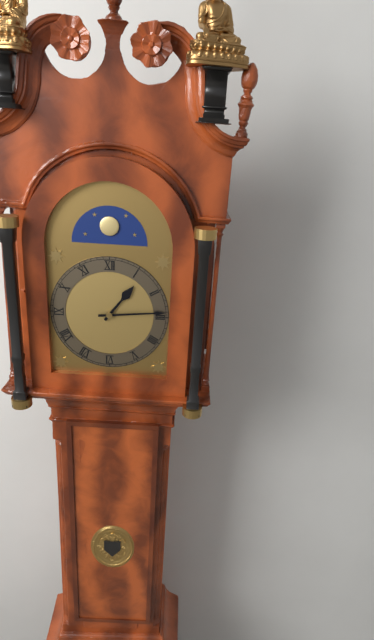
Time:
1.14
